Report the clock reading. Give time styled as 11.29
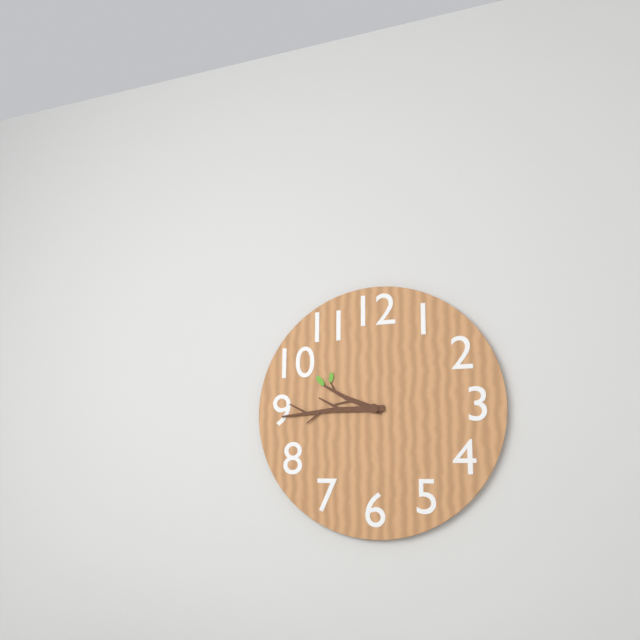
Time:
9.45
